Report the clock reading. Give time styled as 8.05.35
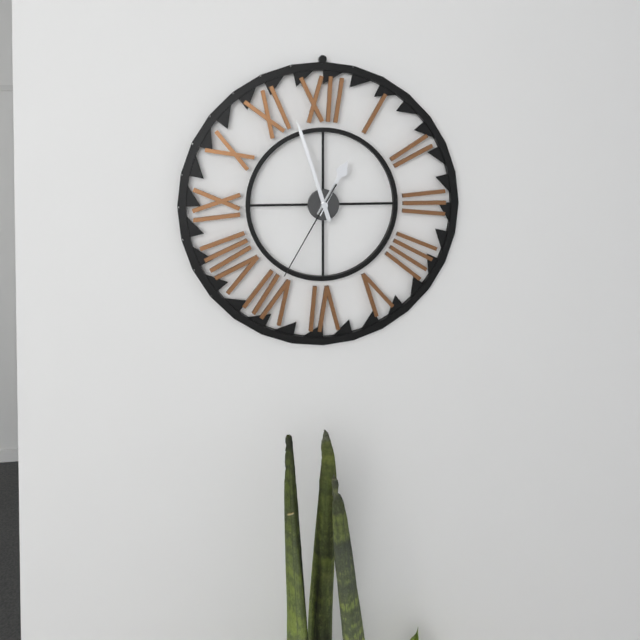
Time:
12.57.35
